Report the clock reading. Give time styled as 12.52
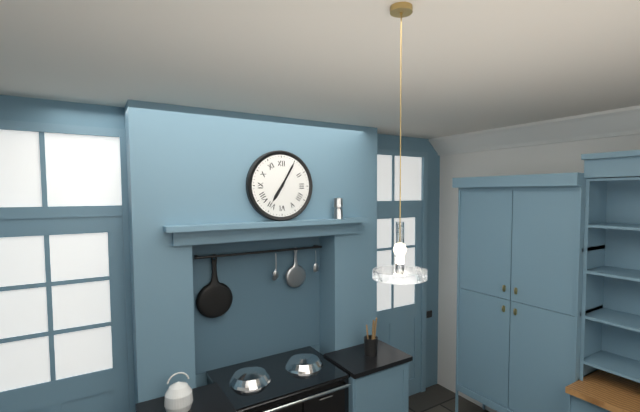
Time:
7.05
